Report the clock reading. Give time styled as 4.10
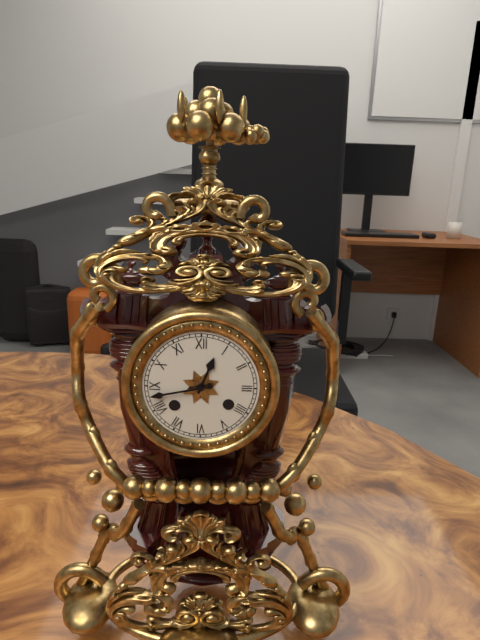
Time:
12.43
